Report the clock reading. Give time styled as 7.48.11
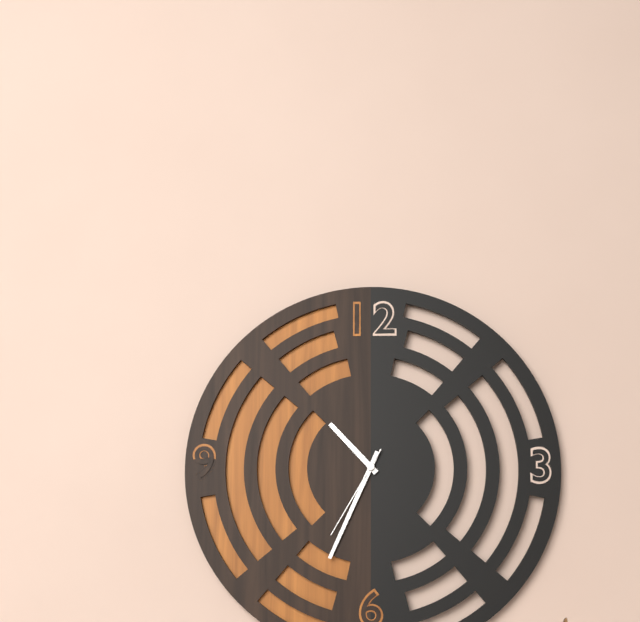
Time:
10.34.35
